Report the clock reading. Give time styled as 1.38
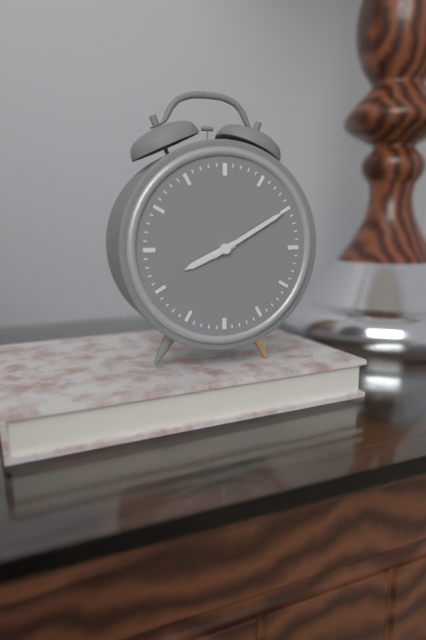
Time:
8.10
